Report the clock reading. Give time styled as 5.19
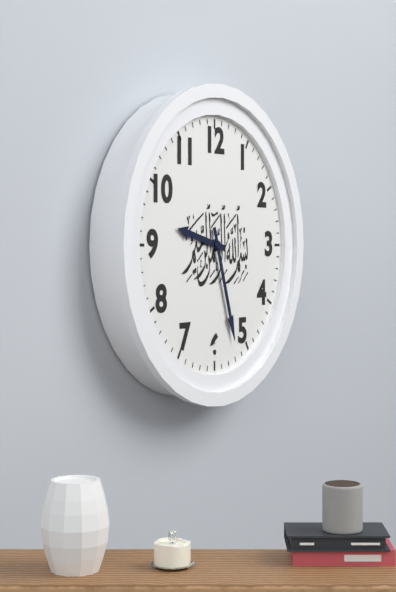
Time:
9.27
